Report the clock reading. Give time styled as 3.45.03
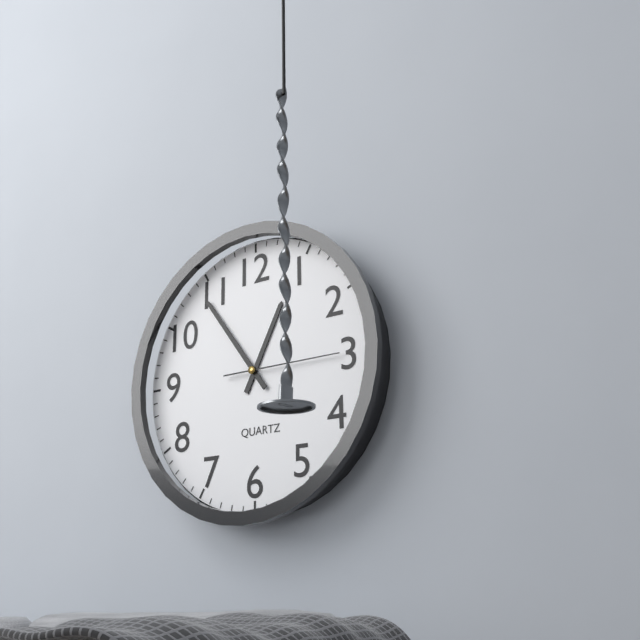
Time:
12.54.15
